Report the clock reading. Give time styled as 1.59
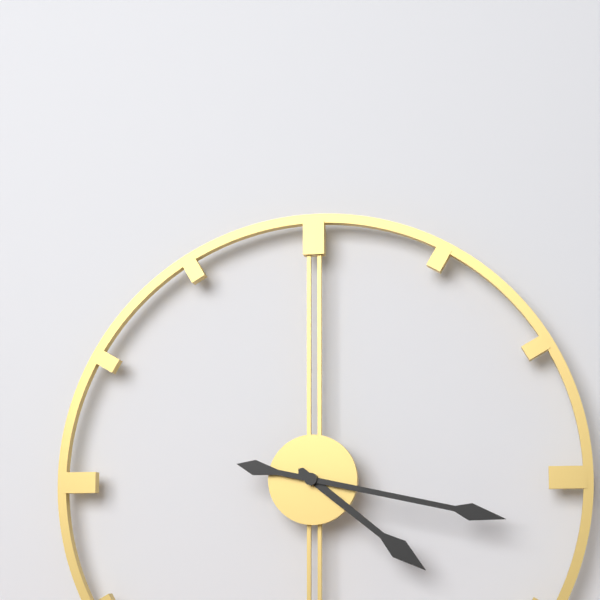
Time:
4.17
